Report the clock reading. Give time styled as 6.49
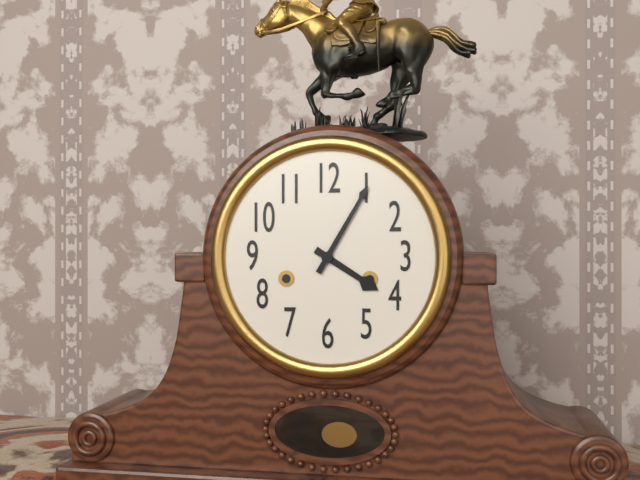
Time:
4.05
